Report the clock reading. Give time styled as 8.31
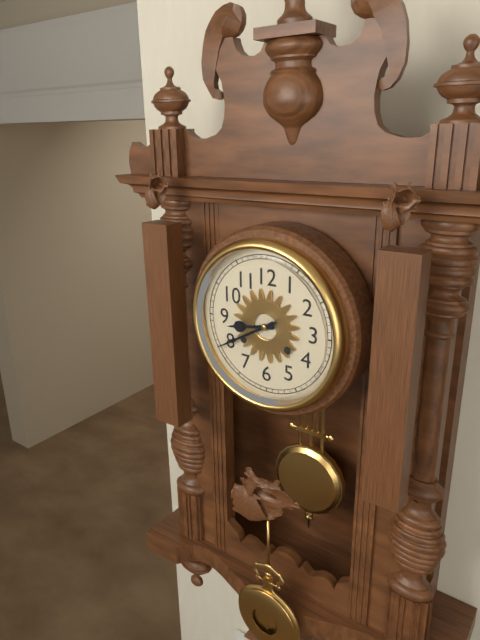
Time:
8.40
